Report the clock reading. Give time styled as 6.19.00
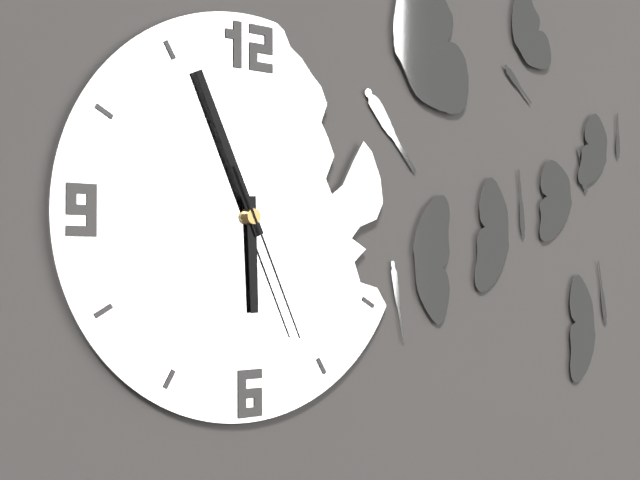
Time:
5.56.26
